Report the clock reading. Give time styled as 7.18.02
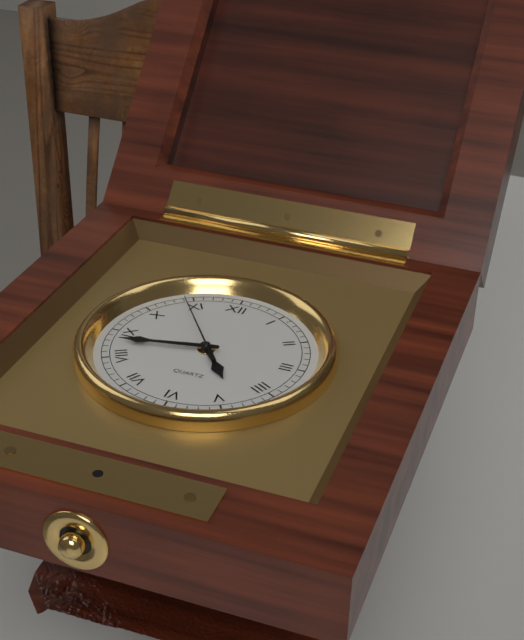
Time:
4.43.54
